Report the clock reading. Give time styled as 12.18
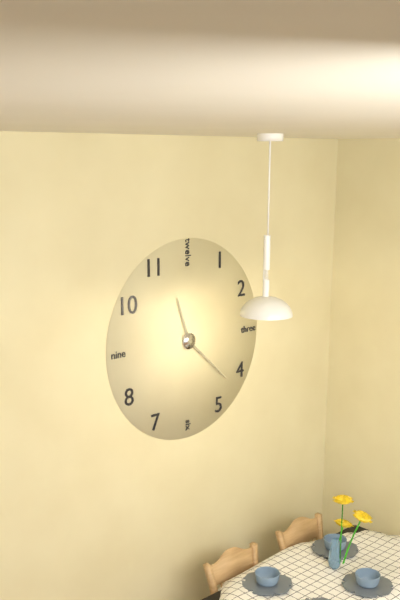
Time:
11.22
